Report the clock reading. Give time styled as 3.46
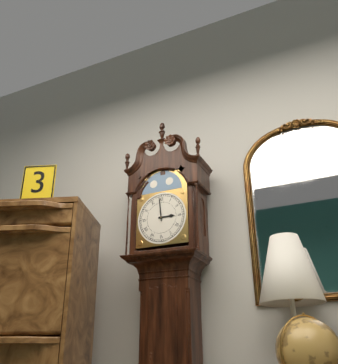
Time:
2.59
